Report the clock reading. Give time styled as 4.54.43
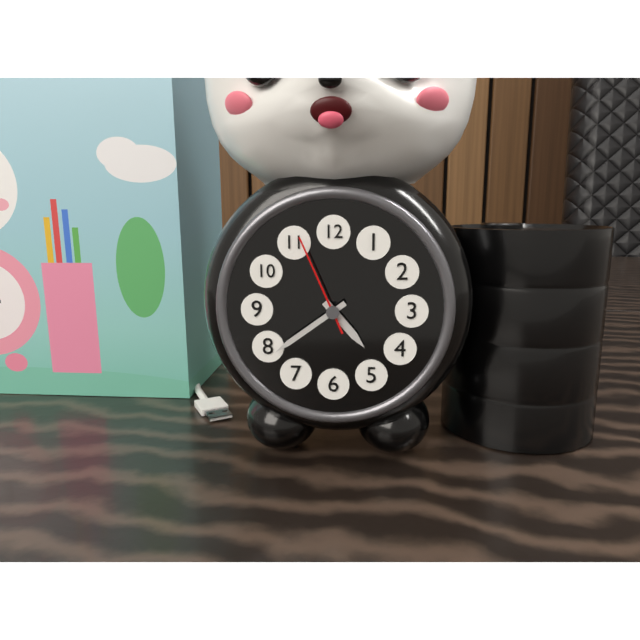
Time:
4.39.56
